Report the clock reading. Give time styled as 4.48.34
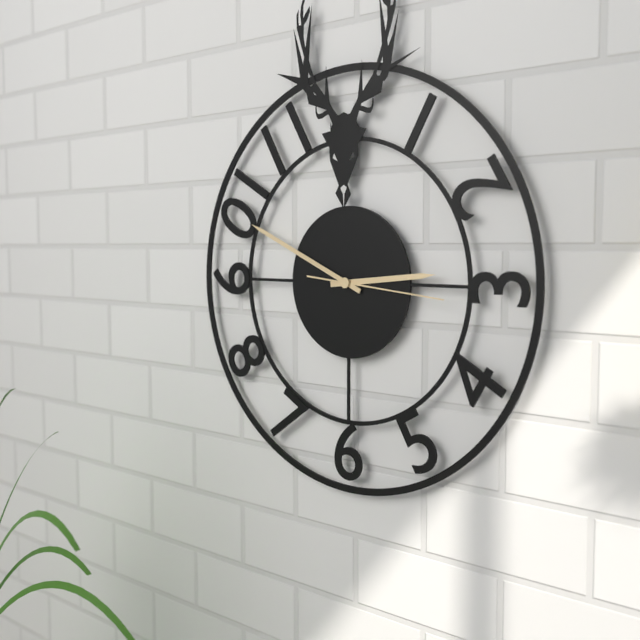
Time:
2.49.16
